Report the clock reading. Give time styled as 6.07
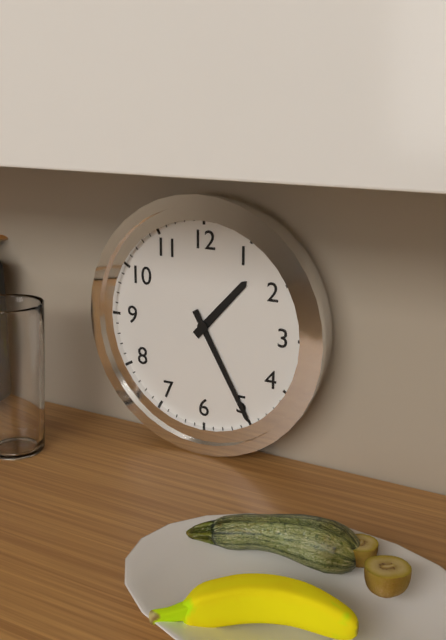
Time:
1.25
